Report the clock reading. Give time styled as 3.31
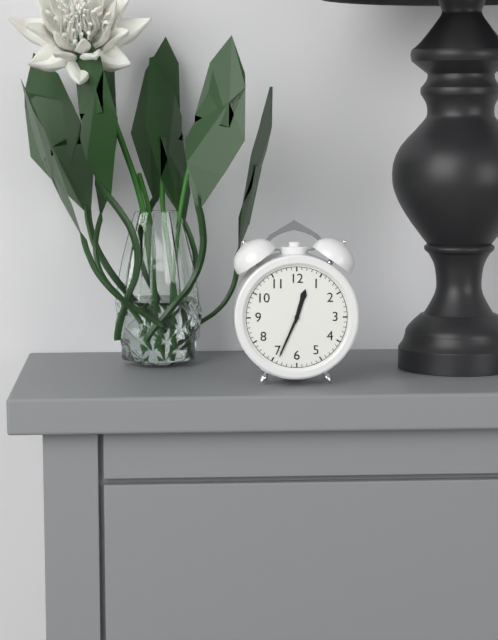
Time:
12.34
